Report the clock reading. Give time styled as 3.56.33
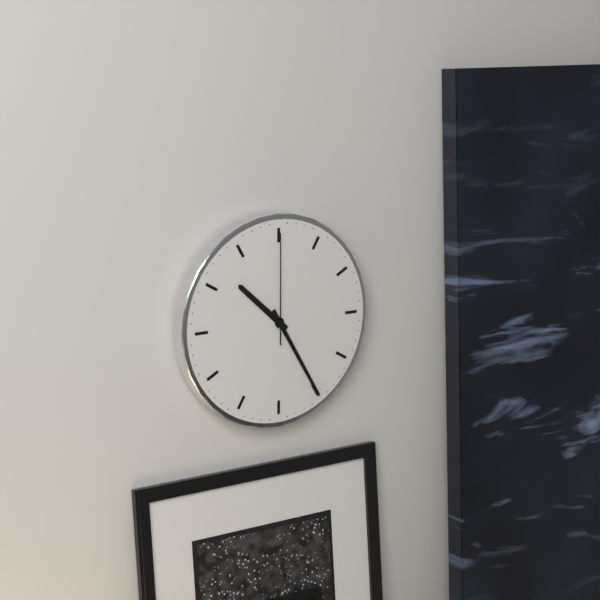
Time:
10.25.00
